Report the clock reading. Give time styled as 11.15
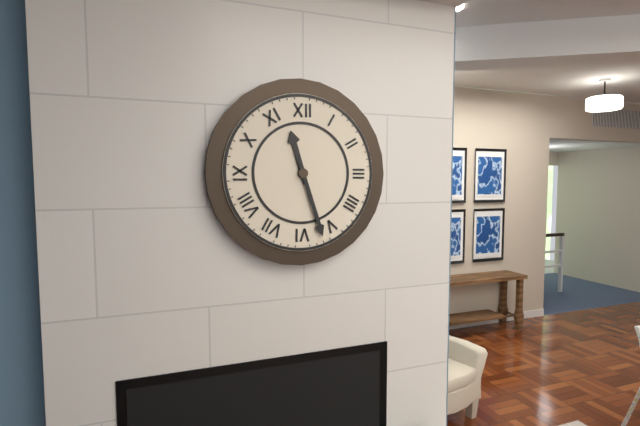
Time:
11.27
